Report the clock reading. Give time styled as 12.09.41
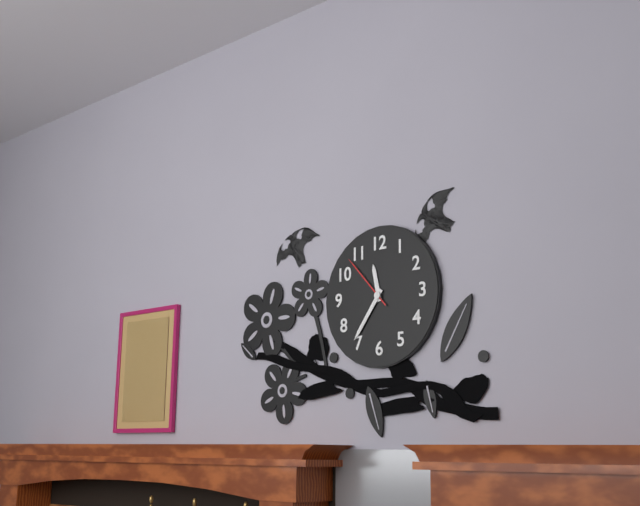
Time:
11.36.53
